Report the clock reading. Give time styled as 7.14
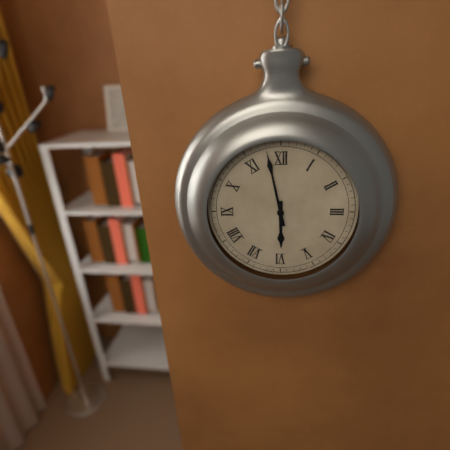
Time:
5.58
